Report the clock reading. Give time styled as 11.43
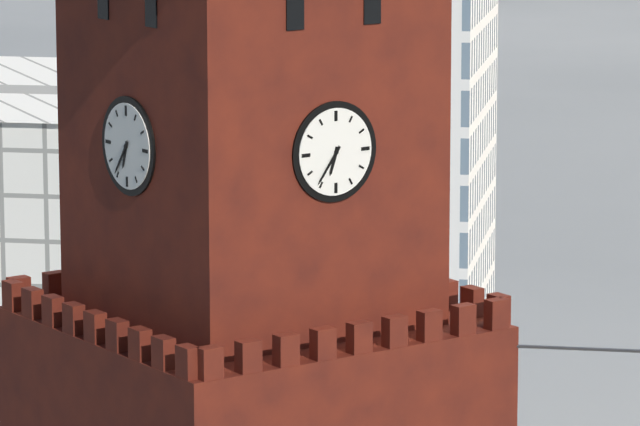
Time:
6.36
